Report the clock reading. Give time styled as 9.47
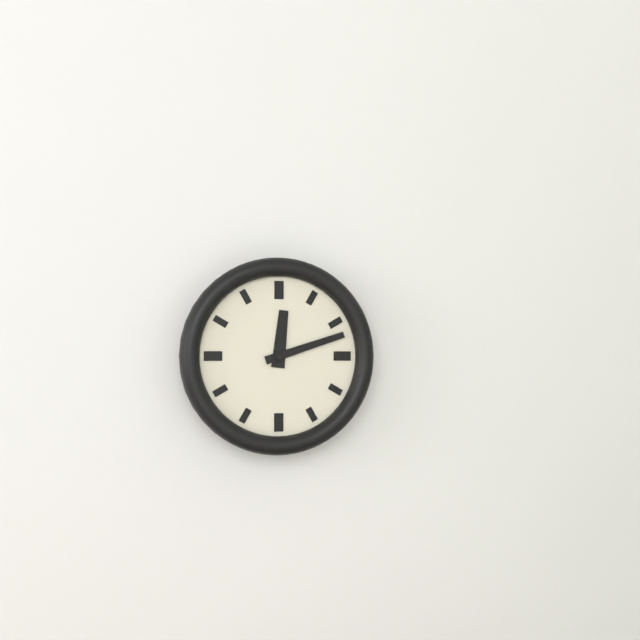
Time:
12.12
